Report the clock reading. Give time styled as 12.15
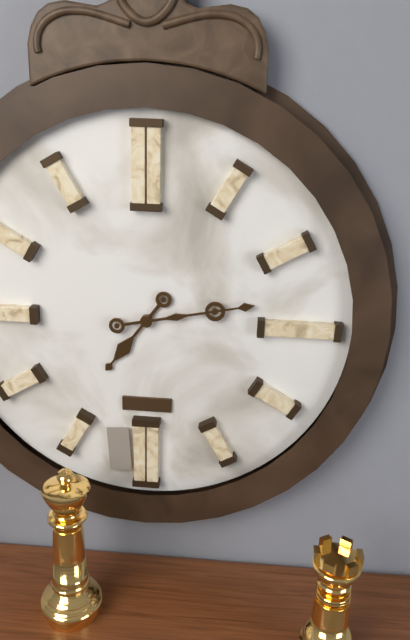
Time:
7.13
